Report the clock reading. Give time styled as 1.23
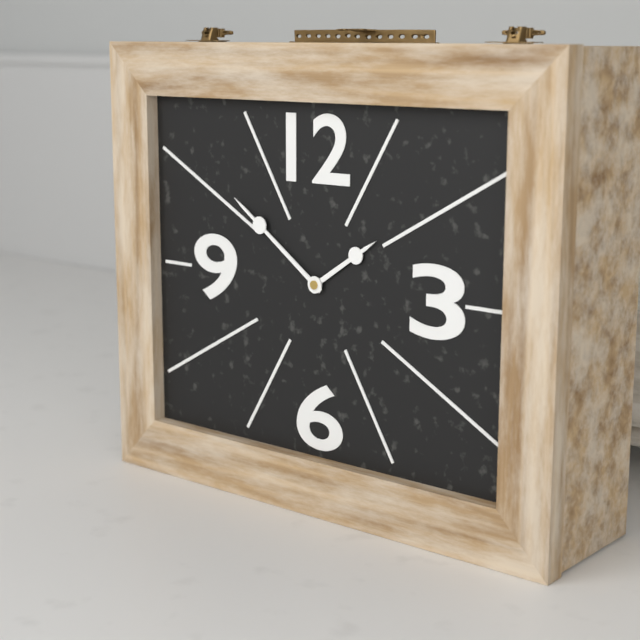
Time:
1.51
